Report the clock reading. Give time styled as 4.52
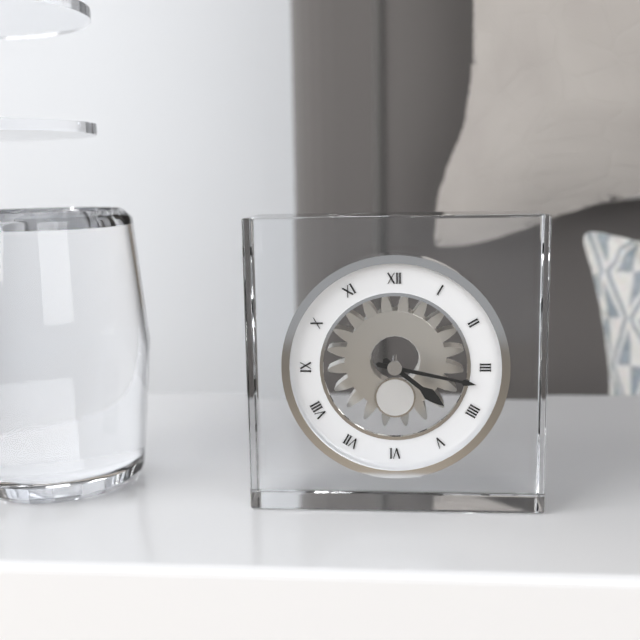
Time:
4.17
